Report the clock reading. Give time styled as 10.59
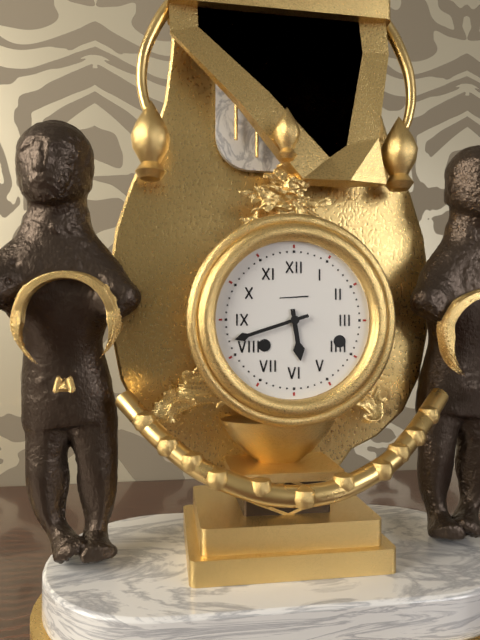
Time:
5.42
